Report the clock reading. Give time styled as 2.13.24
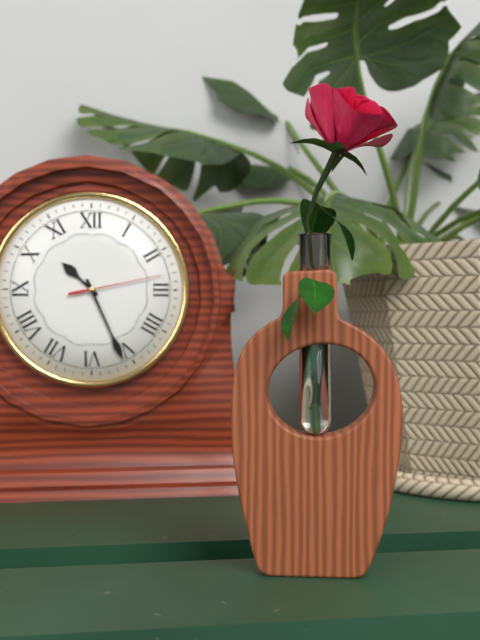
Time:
10.26.13
